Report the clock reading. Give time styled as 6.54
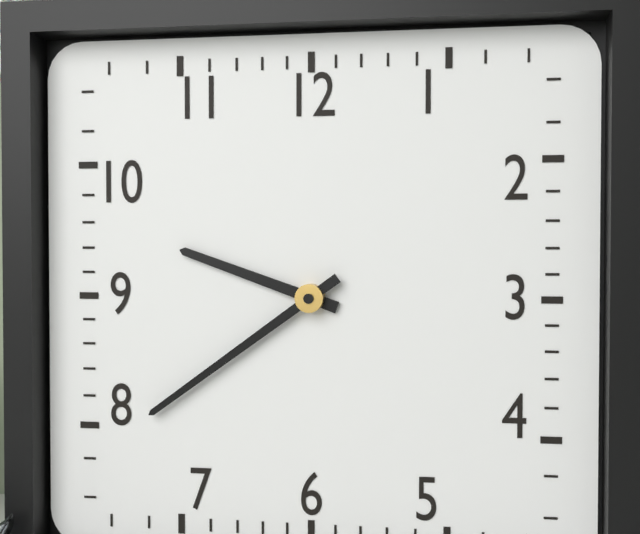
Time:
9.39
